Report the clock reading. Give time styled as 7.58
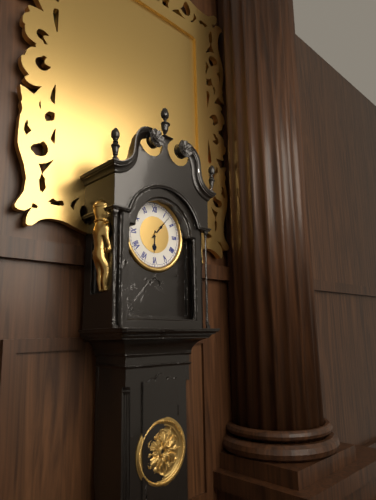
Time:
6.07
